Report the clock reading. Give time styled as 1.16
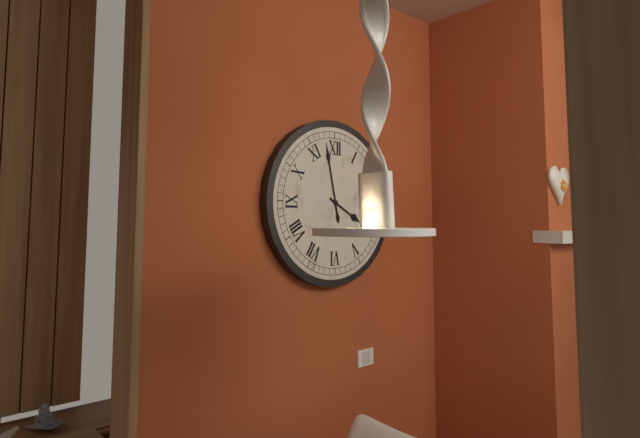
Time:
3.58
